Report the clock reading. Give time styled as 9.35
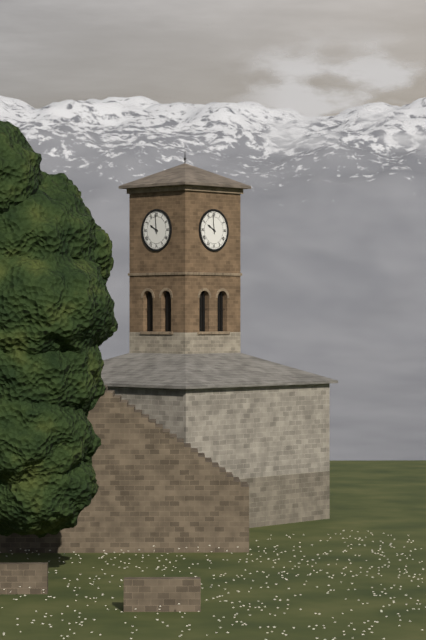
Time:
9.59
